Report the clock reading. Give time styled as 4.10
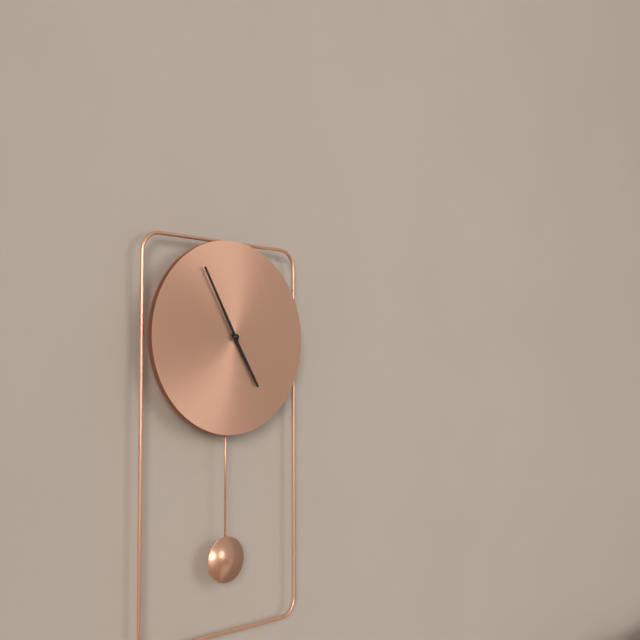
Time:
4.55
